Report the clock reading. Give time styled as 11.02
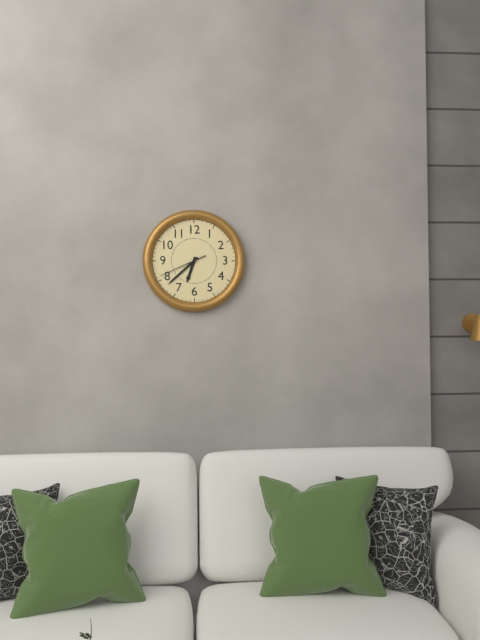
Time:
6.38
